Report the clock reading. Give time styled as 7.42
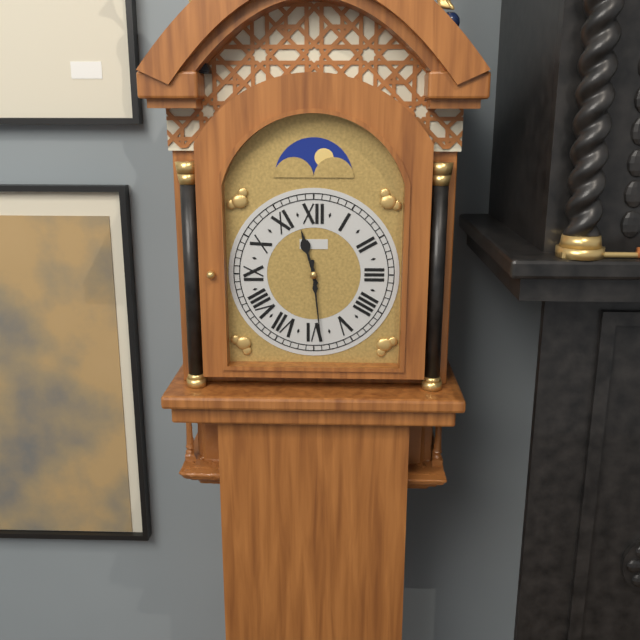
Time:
11.29
